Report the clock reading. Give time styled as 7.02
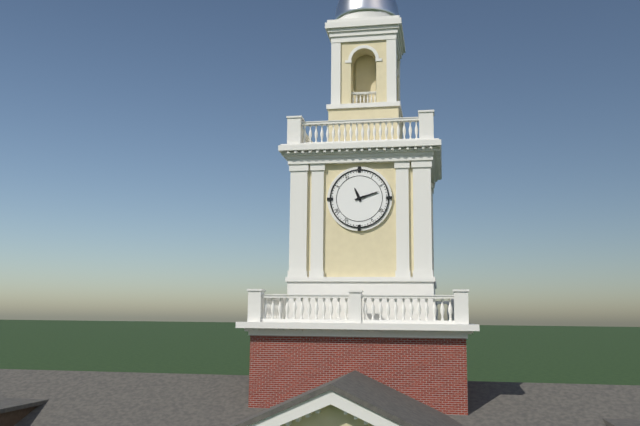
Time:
11.12
